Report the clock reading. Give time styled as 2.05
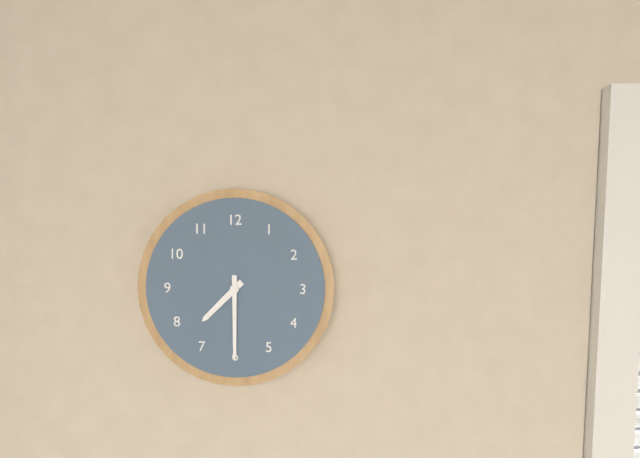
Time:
7.30
